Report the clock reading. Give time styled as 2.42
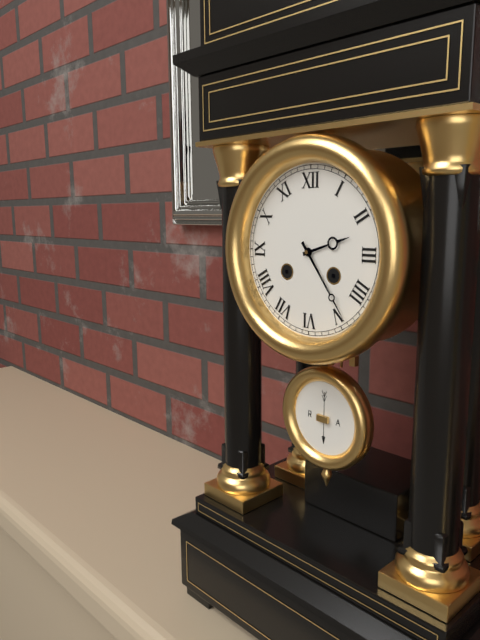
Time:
2.24
